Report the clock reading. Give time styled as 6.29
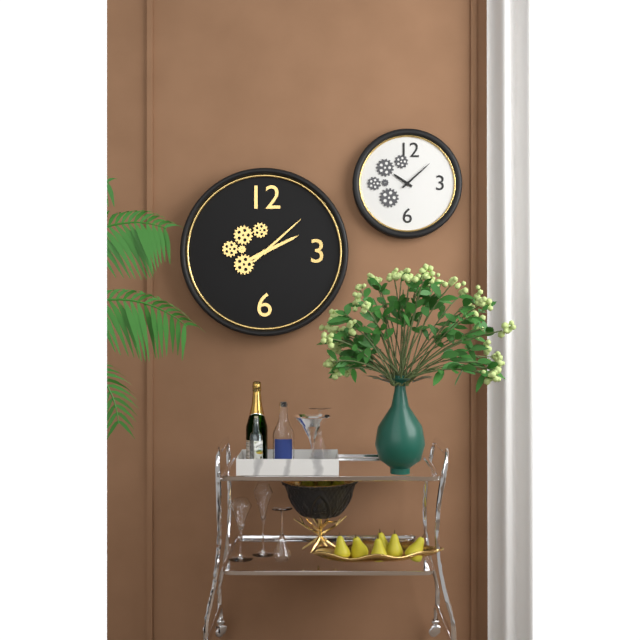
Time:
2.08
